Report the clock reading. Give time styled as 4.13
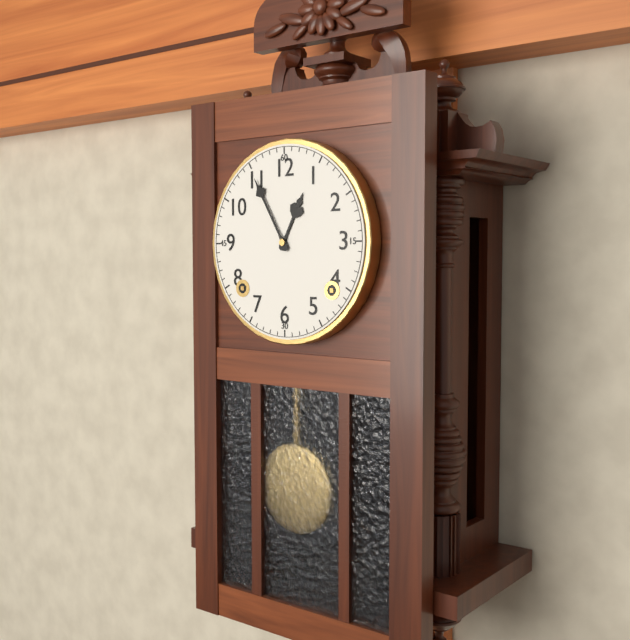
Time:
12.55
